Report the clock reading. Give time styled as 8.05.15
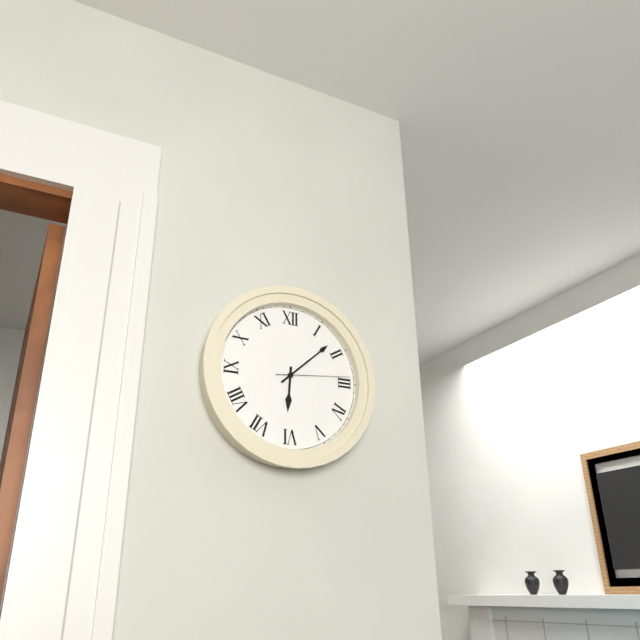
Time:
6.08.14
